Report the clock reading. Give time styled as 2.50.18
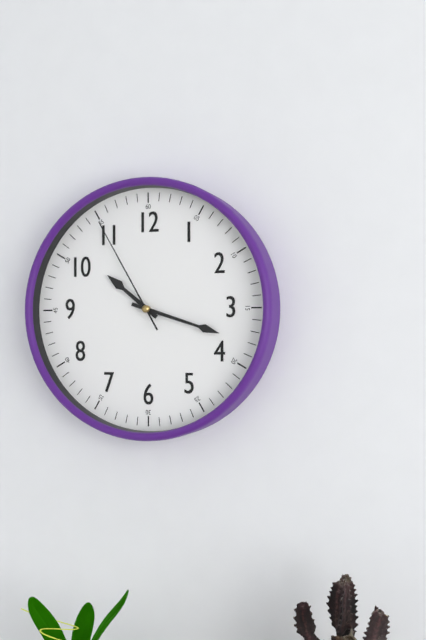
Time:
10.18.55
